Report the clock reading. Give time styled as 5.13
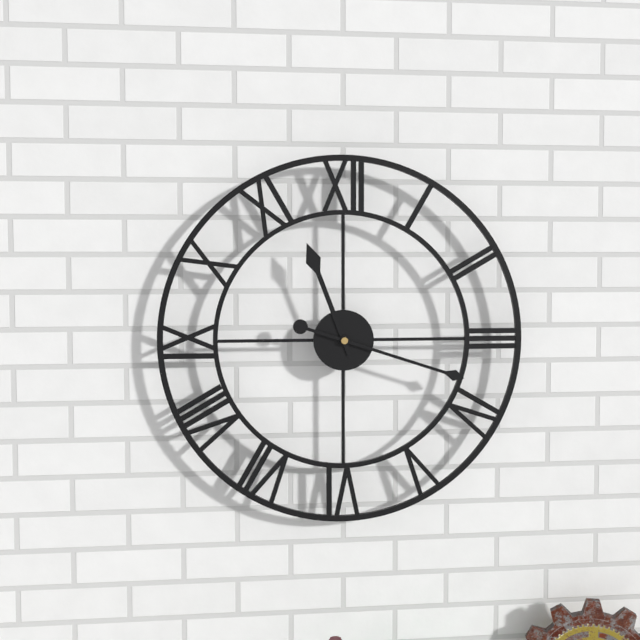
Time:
11.18
